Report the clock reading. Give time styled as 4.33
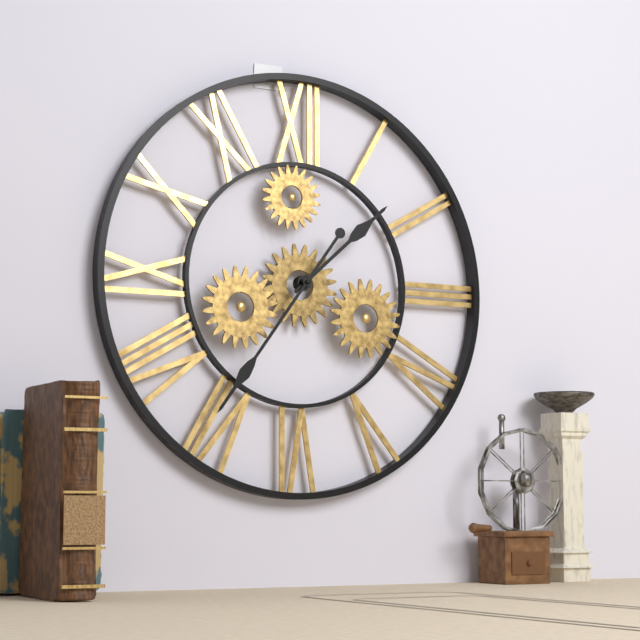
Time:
1.36
